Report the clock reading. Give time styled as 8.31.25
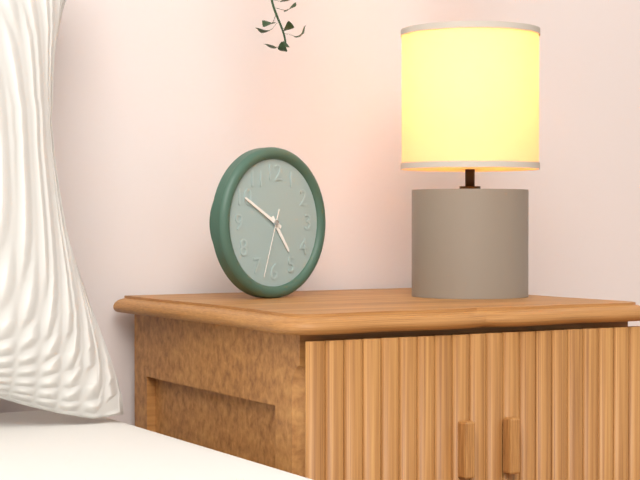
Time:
4.50.33
